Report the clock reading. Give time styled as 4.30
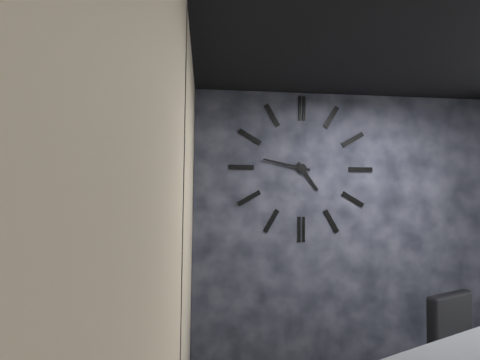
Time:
4.47
